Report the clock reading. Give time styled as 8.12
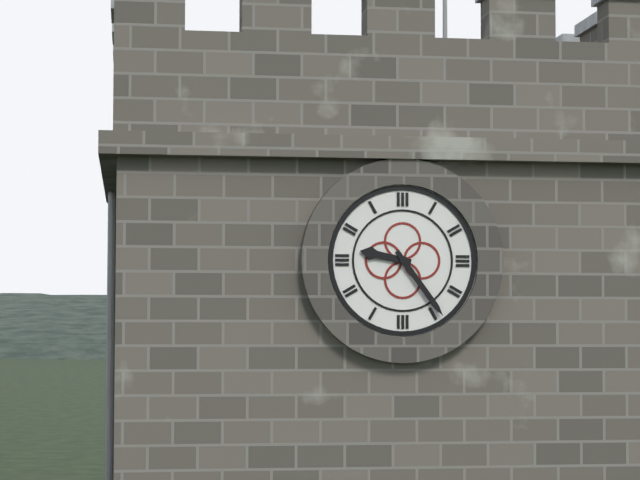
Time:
9.24
